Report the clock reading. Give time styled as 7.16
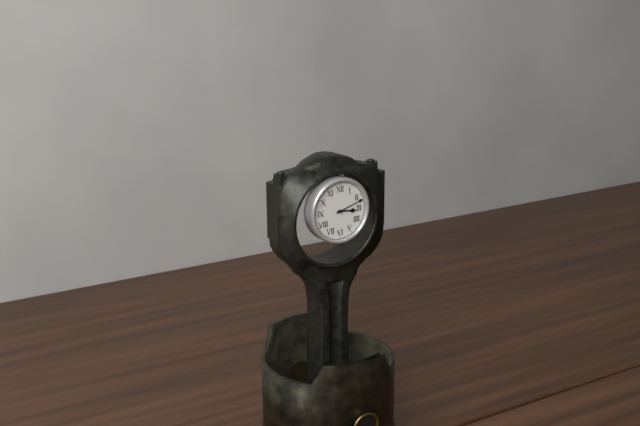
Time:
3.12
